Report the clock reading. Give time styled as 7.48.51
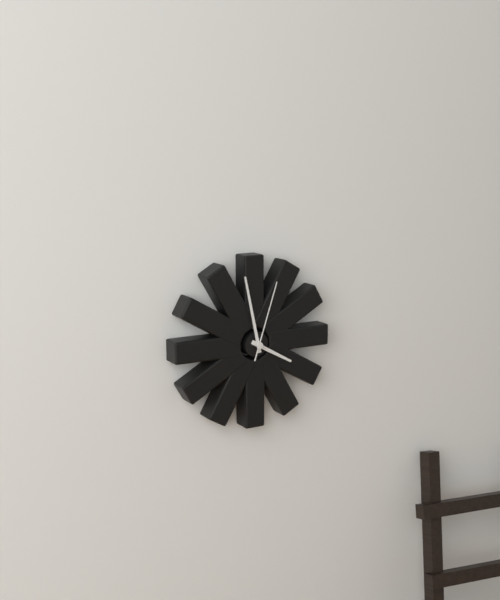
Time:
3.58.03
